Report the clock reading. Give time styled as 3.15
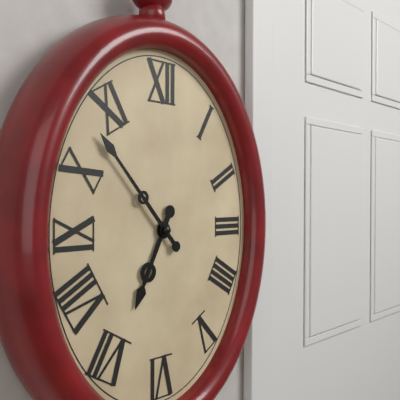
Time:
6.53
